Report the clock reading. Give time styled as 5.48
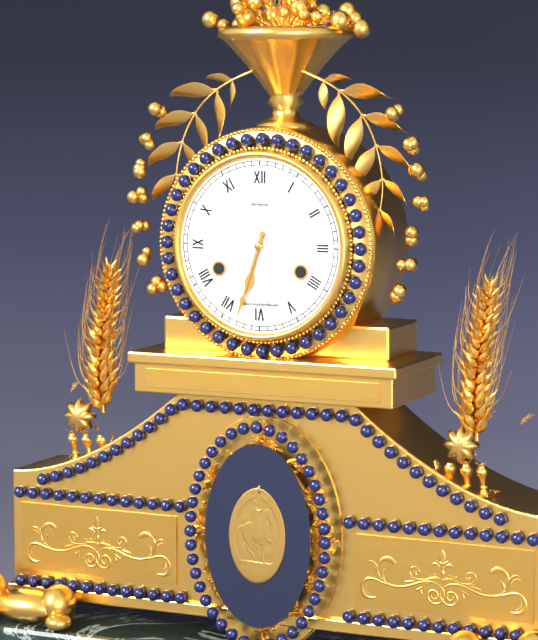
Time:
6.33
